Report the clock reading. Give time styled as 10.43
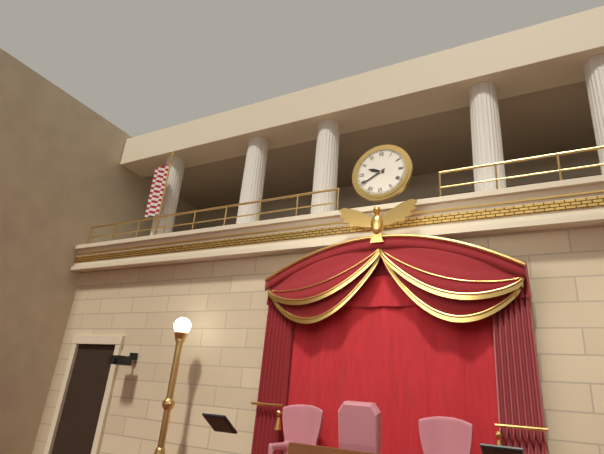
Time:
9.40
